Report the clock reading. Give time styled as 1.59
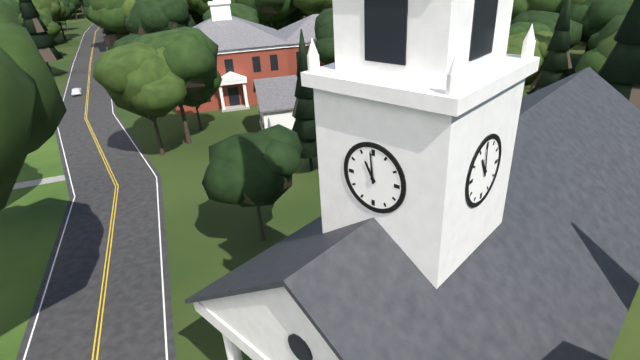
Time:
10.59
